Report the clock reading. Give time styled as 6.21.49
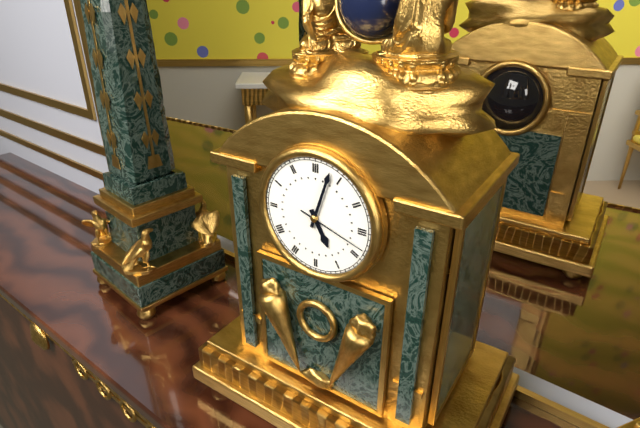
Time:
5.03.18
